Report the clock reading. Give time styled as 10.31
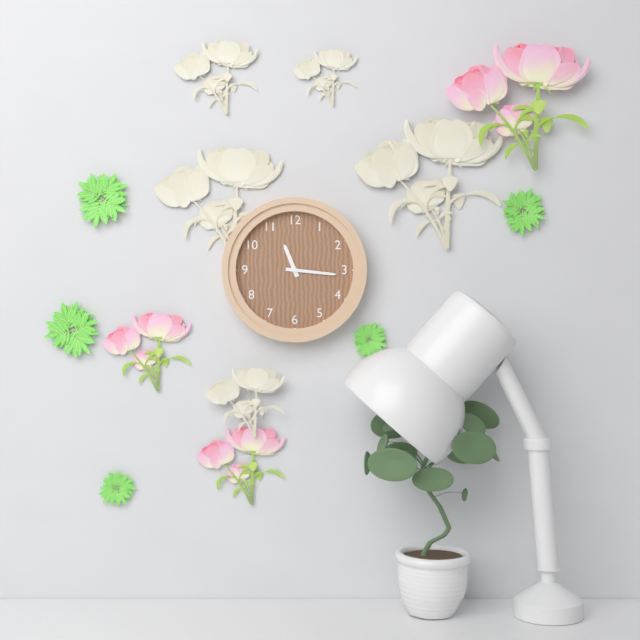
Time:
11.16
